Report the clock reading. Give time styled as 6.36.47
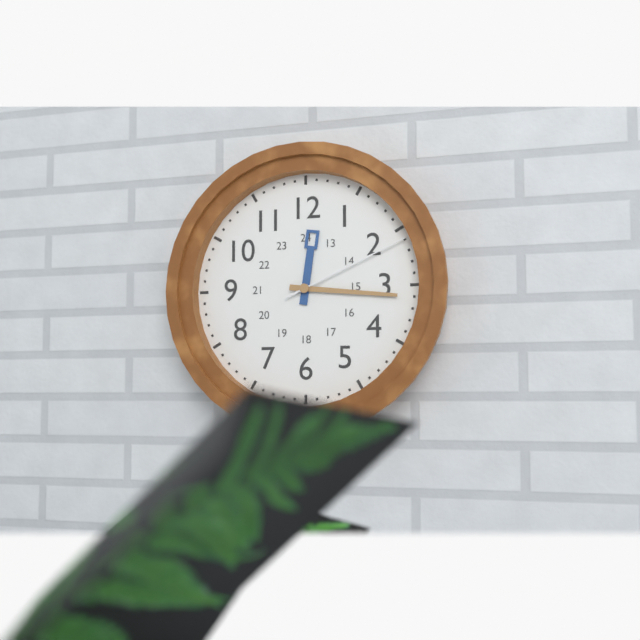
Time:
12.16.11
